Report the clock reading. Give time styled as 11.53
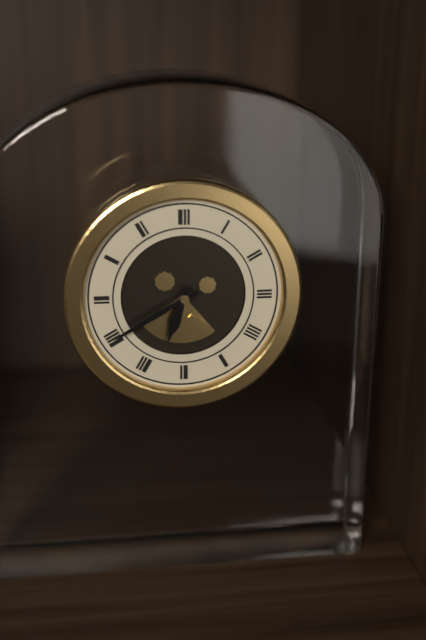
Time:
6.40
